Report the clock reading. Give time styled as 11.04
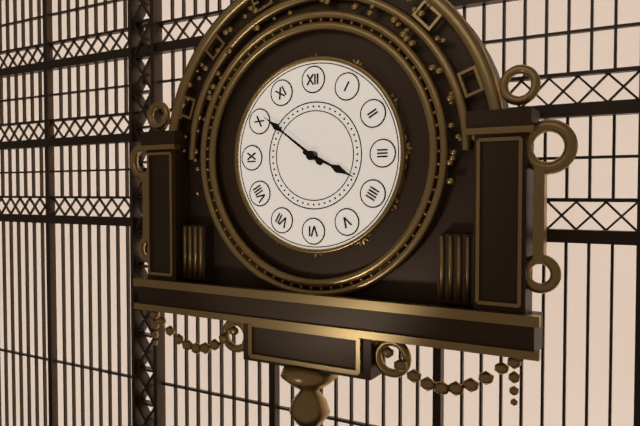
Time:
3.51
